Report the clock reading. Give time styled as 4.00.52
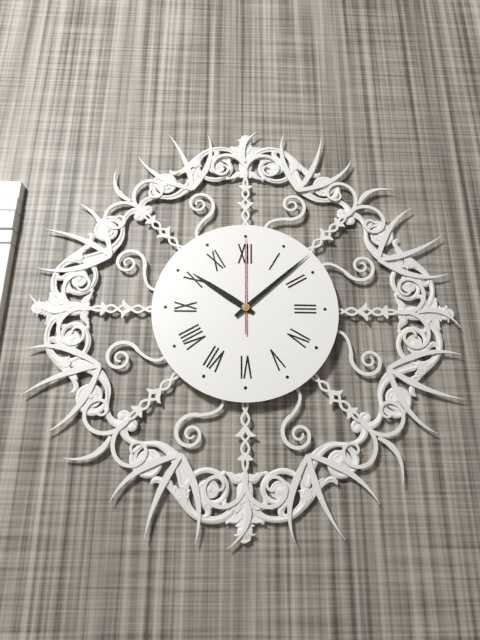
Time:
10.08.00
